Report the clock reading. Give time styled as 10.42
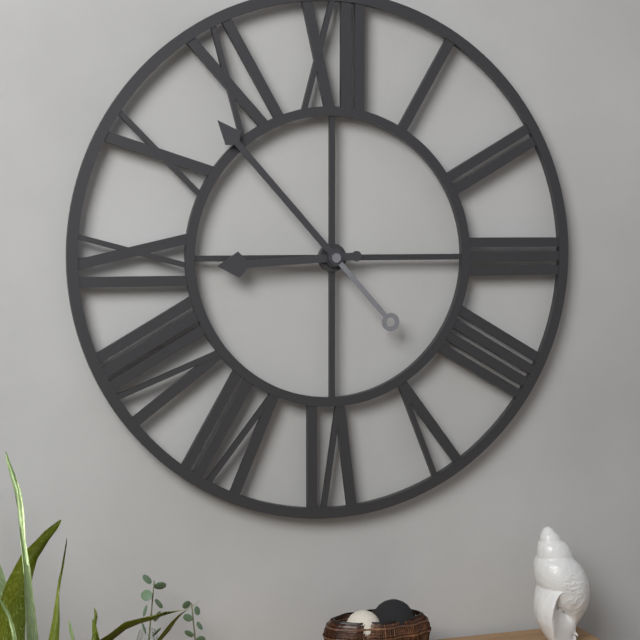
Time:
8.53
